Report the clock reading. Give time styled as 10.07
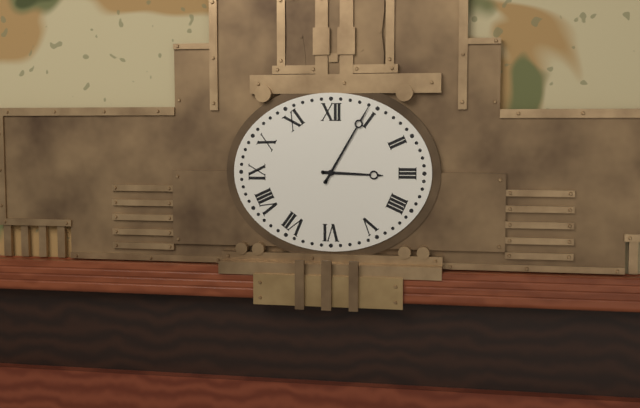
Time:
3.05
